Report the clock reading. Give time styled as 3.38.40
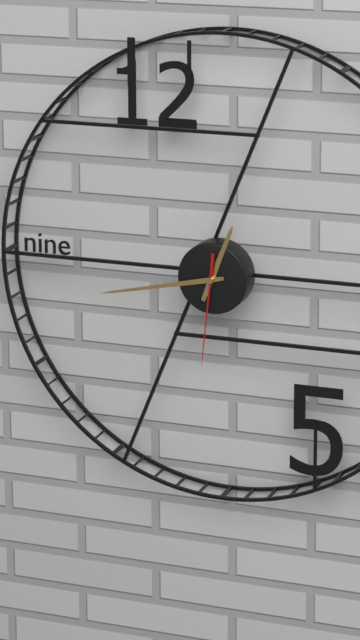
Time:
12.43.31
